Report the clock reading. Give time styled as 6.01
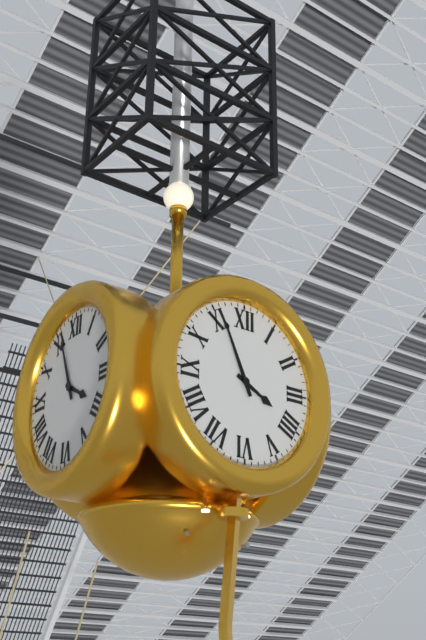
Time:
3.56
